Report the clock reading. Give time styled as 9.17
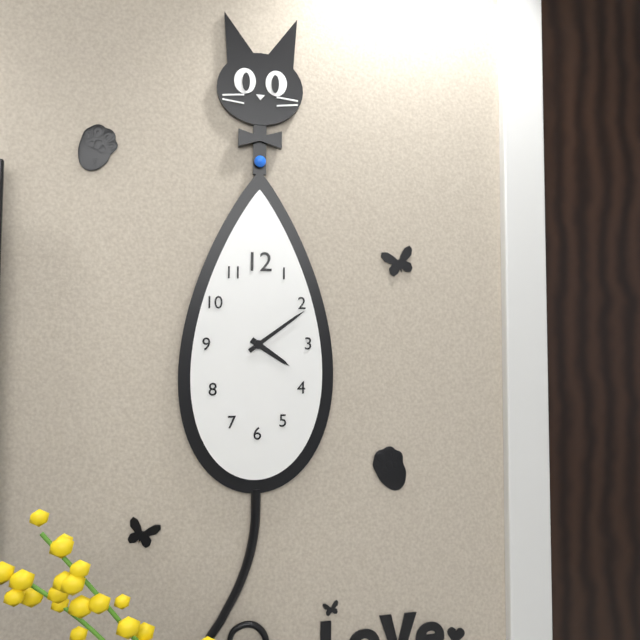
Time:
4.09
